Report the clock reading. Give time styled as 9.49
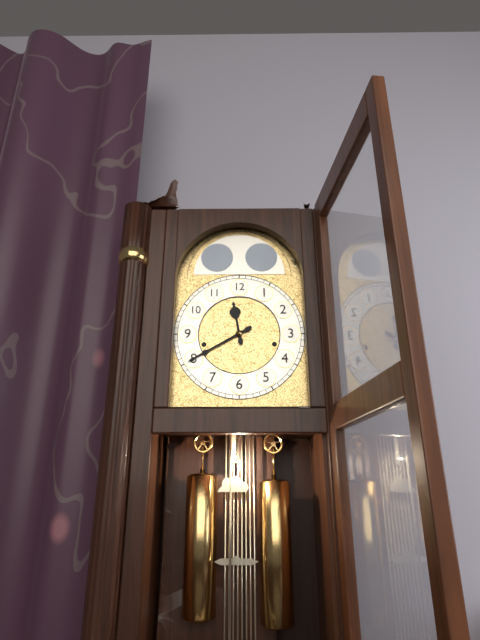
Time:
11.40
